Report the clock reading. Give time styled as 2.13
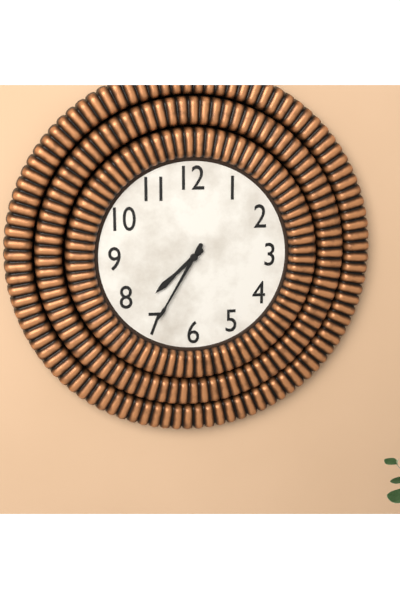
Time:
7.35
